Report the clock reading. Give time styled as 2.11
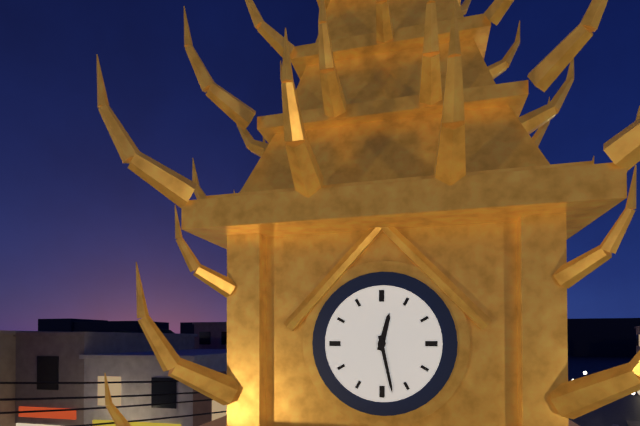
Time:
12.28
